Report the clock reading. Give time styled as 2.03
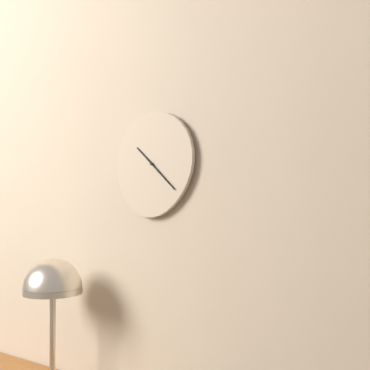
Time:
10.22
